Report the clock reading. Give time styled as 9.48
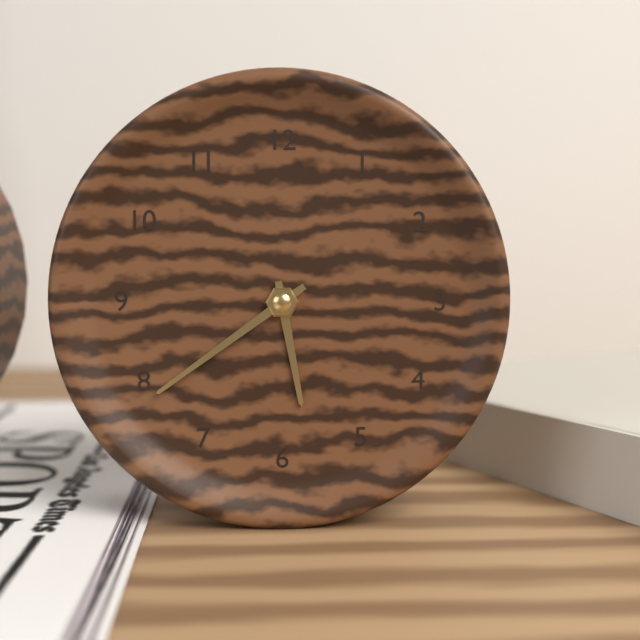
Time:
5.39
